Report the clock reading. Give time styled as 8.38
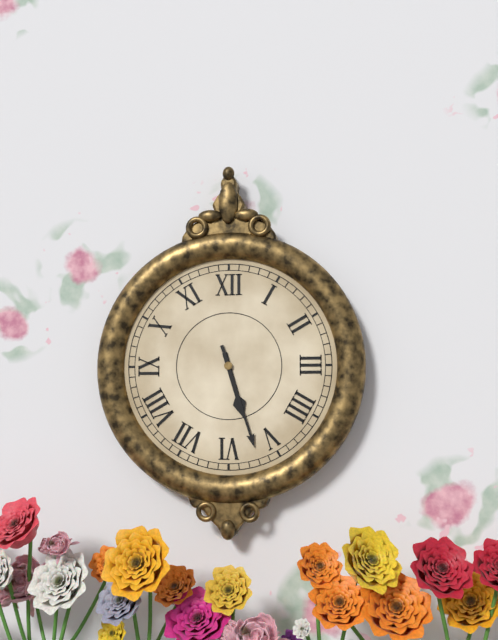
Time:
5.27
